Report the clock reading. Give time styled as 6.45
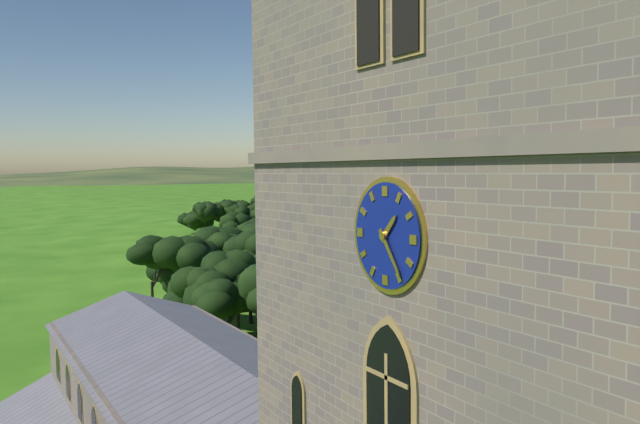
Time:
1.24
